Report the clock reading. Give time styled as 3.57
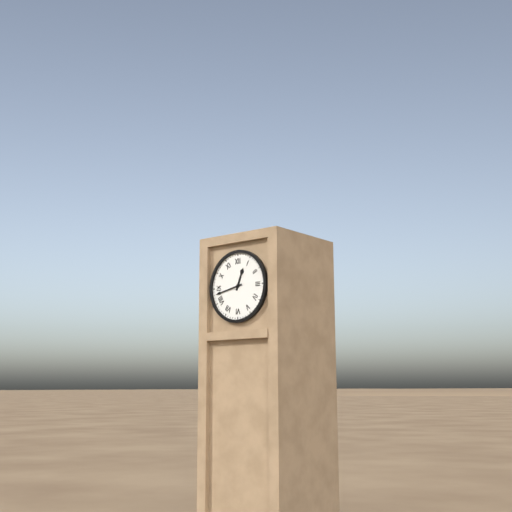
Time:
12.43
